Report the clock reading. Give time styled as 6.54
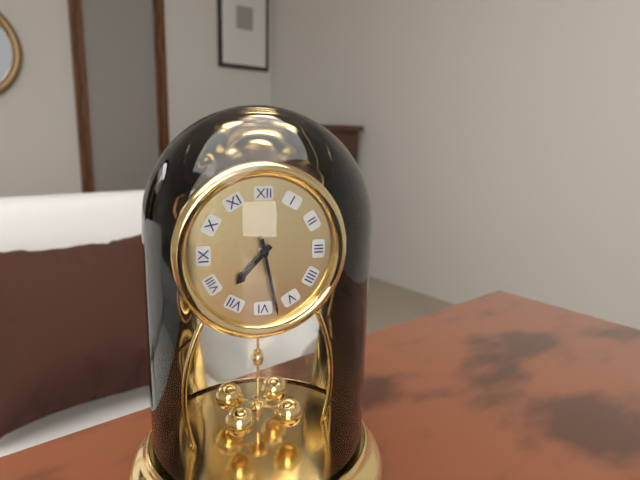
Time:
7.28
